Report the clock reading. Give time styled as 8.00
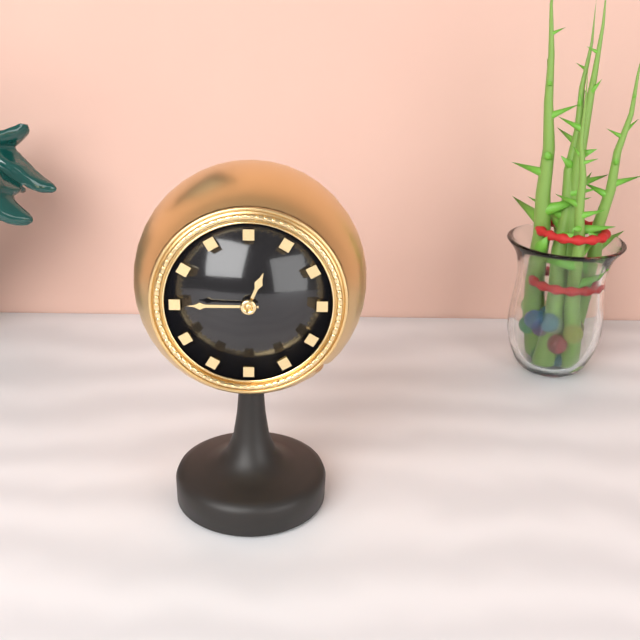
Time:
12.45
